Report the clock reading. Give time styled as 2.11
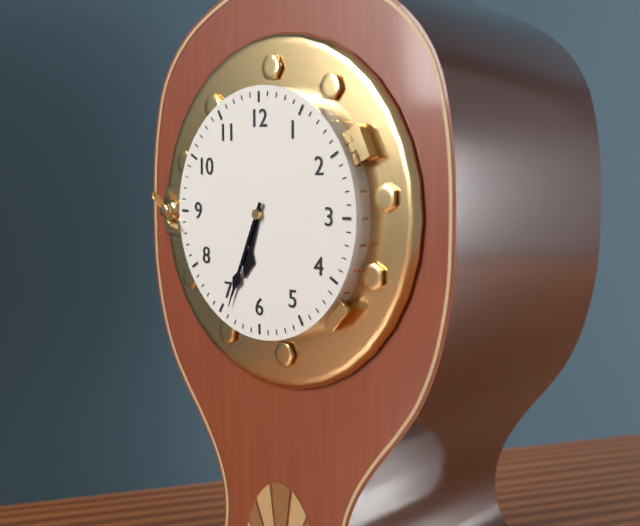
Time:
6.34
